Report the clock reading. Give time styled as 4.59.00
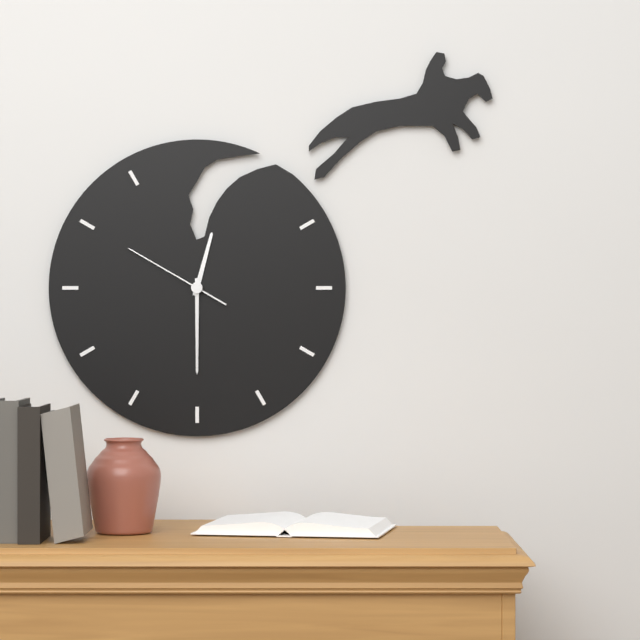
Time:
12.30.50
